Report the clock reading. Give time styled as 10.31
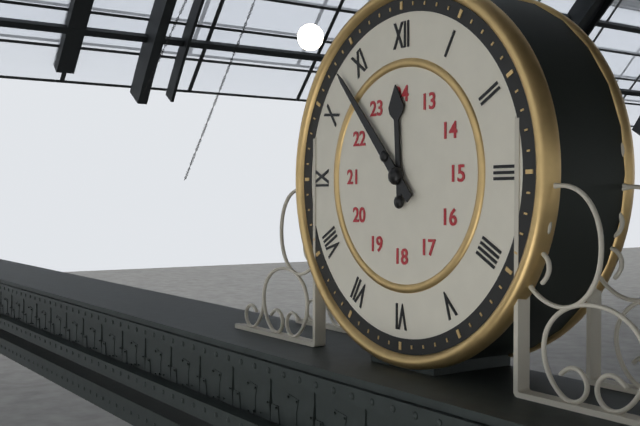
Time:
11.53
